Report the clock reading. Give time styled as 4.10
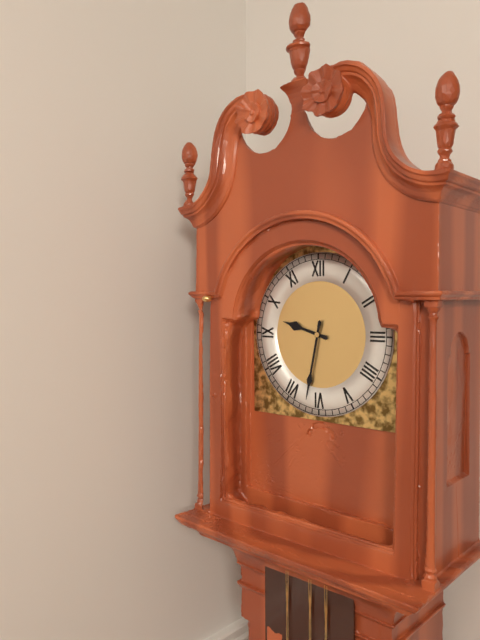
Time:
9.32
